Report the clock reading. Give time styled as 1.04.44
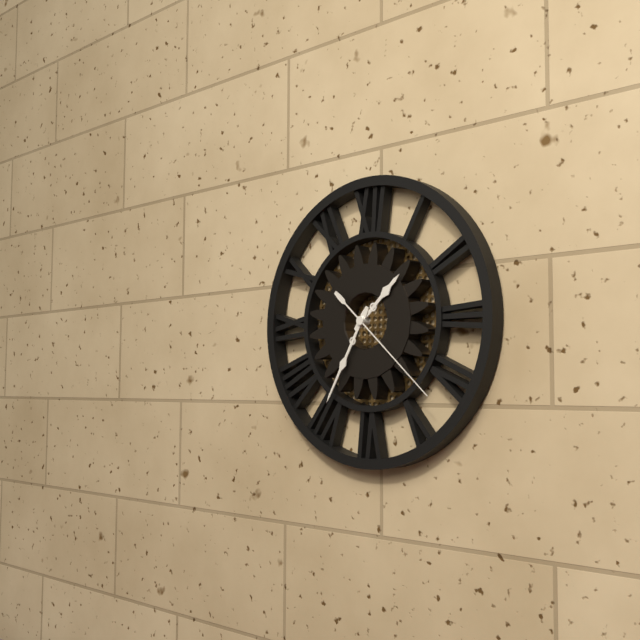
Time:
1.35.22
